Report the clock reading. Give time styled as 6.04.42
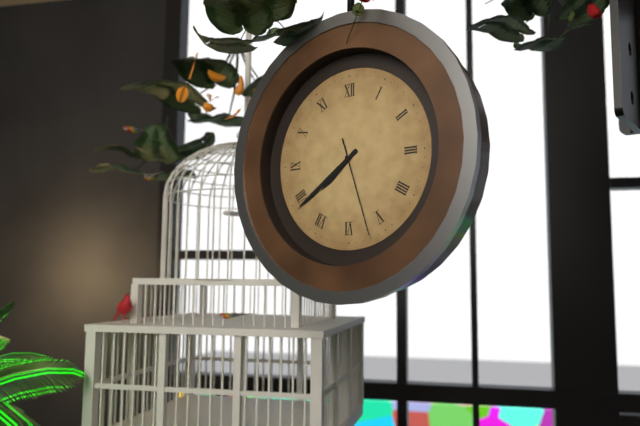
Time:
7.39.27
